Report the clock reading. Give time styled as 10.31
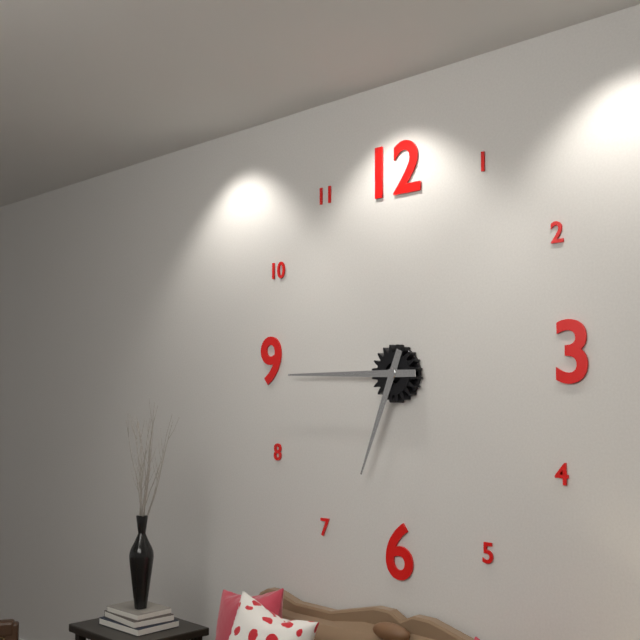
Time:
6.45
